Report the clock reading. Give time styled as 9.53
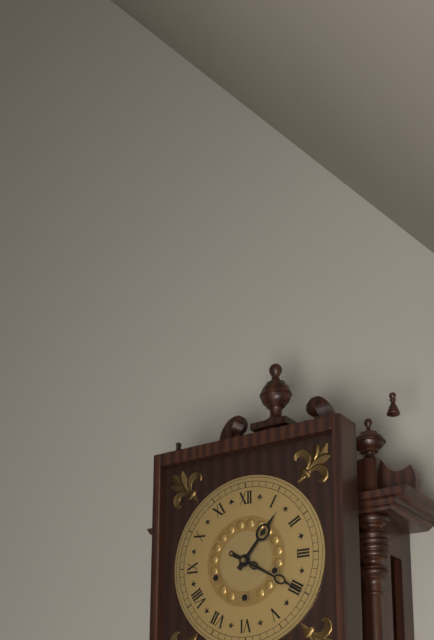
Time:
1.20
